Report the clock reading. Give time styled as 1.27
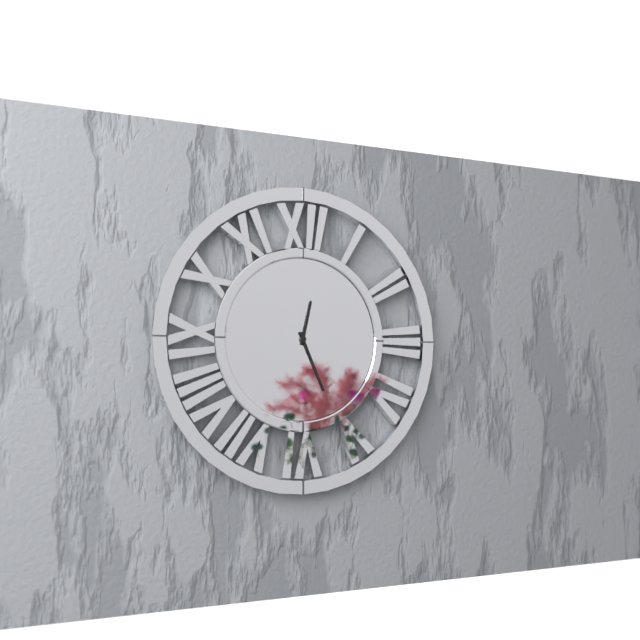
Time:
12.26
